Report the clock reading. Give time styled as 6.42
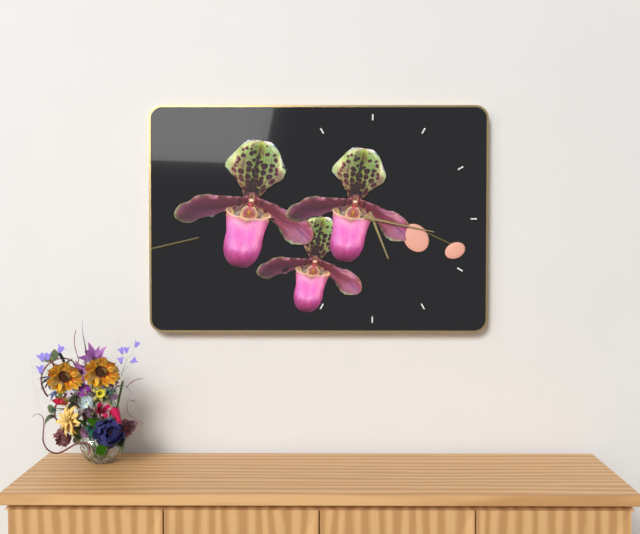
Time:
5.17
